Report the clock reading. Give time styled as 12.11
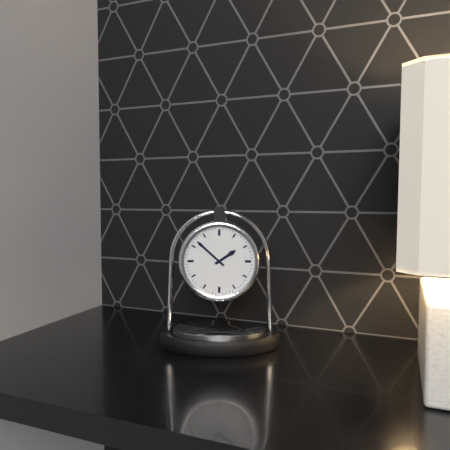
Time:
1.52
